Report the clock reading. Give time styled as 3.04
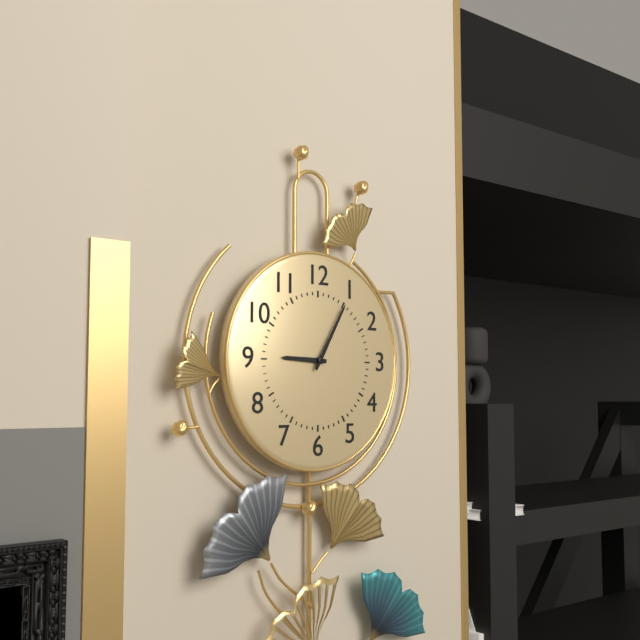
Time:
9.05
